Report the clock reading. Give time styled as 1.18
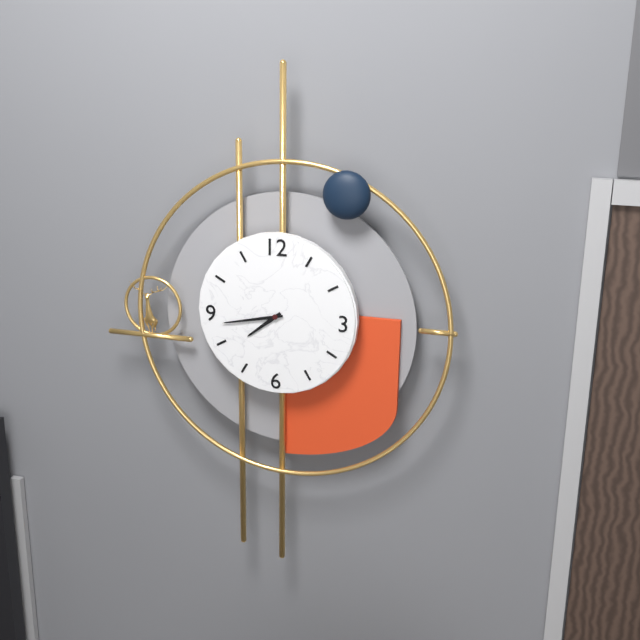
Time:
7.43
